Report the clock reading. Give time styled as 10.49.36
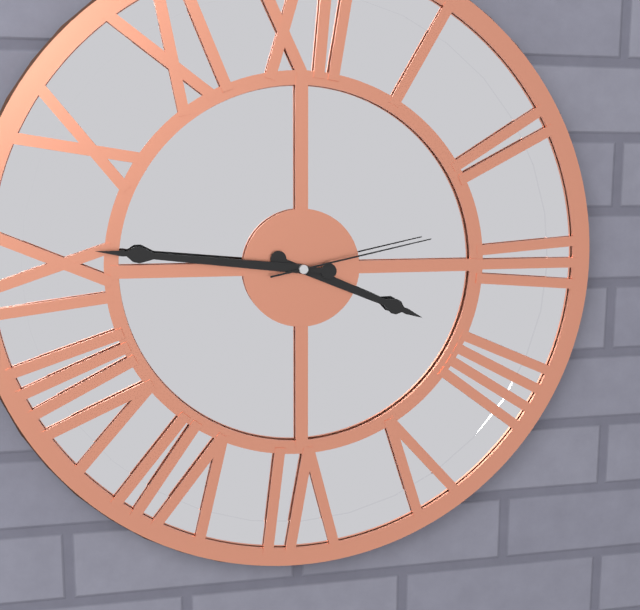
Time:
3.46.13
